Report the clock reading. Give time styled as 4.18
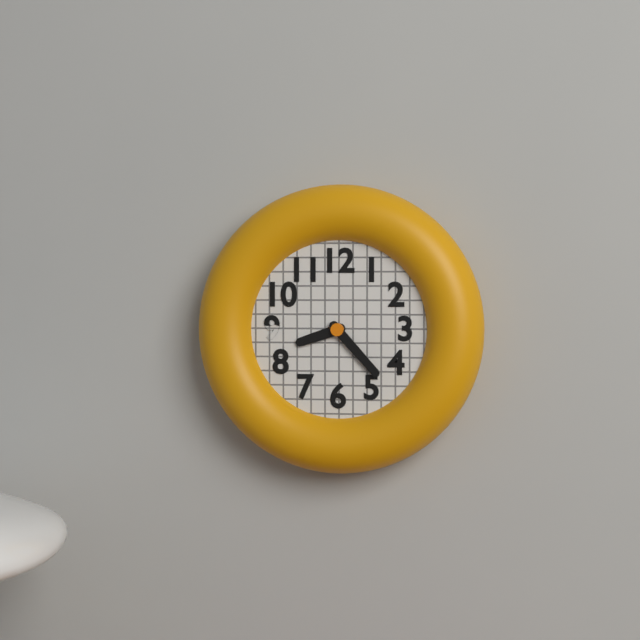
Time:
8.23
